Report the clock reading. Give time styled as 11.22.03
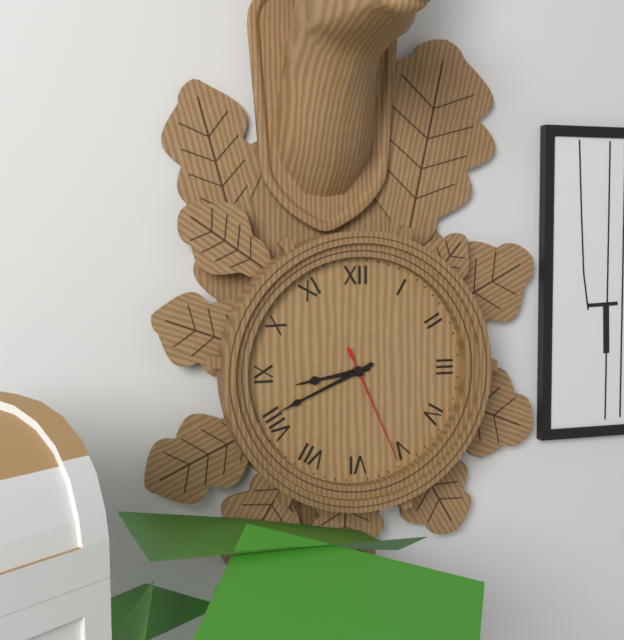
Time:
8.41.26
